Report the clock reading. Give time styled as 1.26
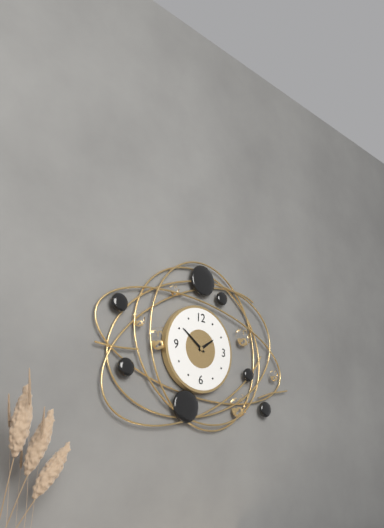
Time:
1.51
